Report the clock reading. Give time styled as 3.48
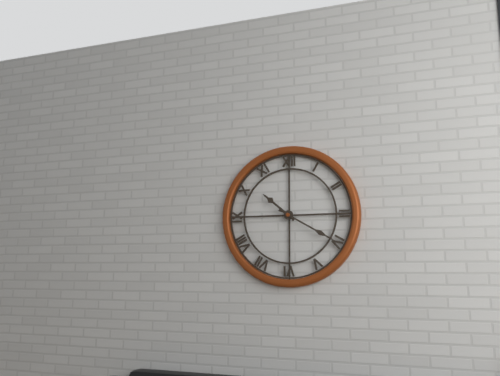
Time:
10.20
